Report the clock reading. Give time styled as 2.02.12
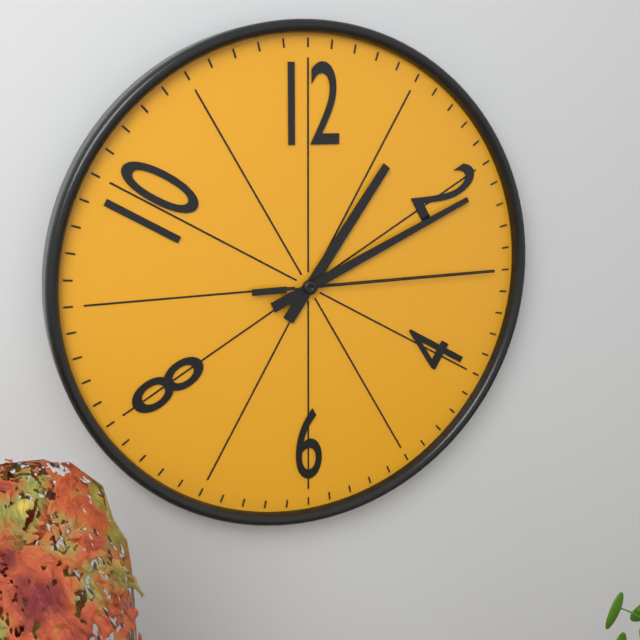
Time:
1.11.15
